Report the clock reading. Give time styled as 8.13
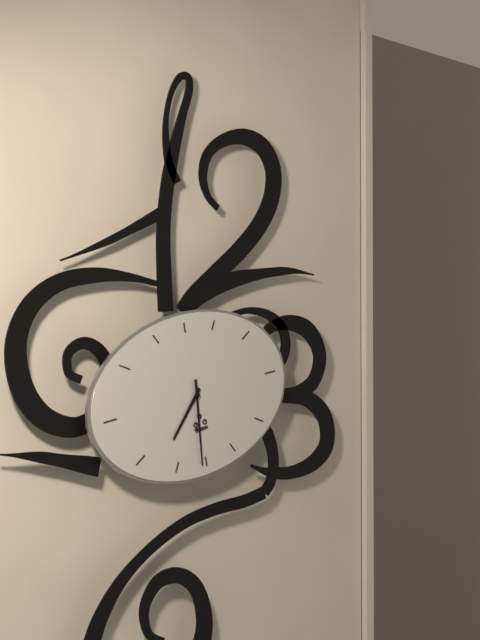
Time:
7.31
